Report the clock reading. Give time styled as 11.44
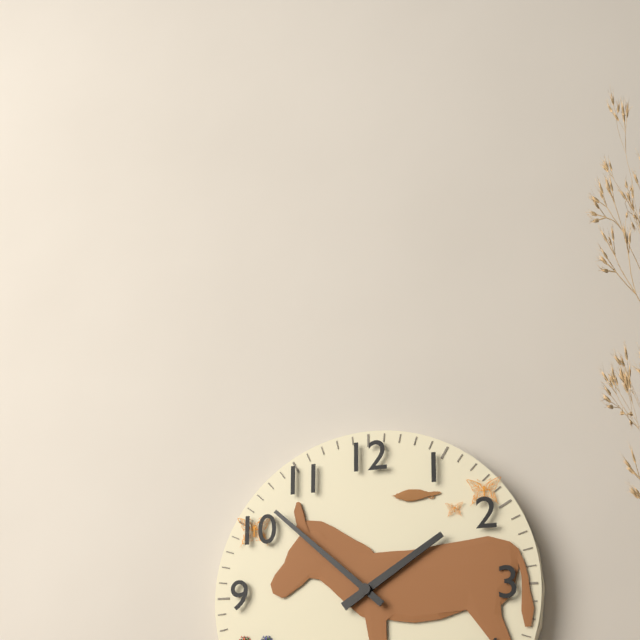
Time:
1.52
